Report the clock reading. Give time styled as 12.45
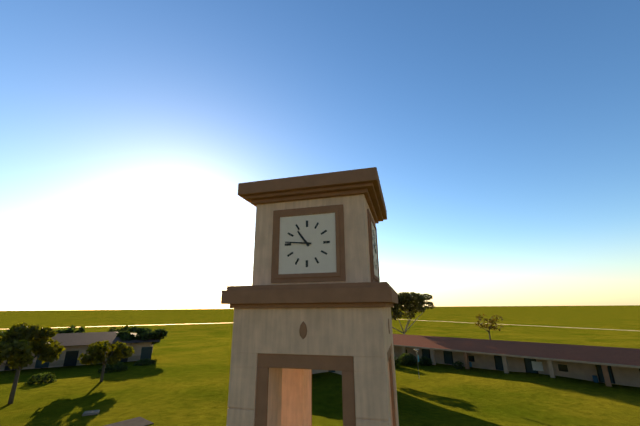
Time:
10.46
